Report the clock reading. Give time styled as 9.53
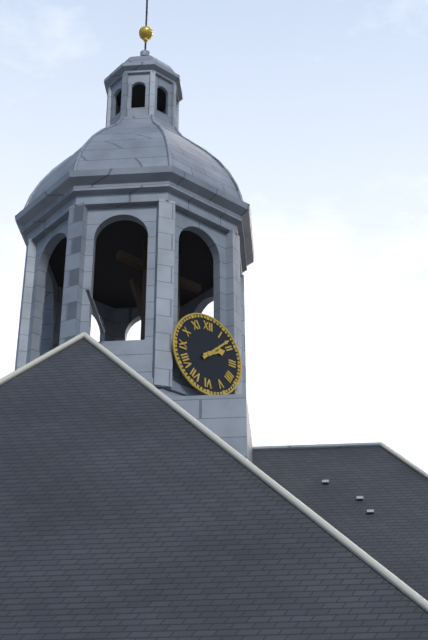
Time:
2.08
